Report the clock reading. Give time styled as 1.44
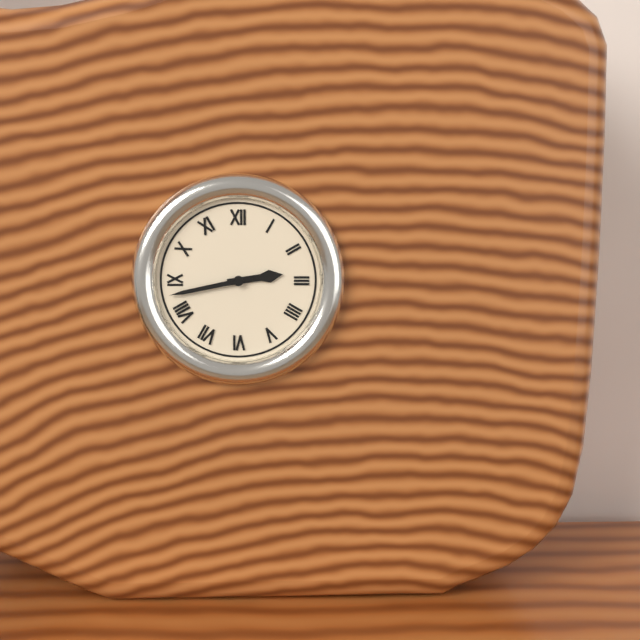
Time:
2.43
